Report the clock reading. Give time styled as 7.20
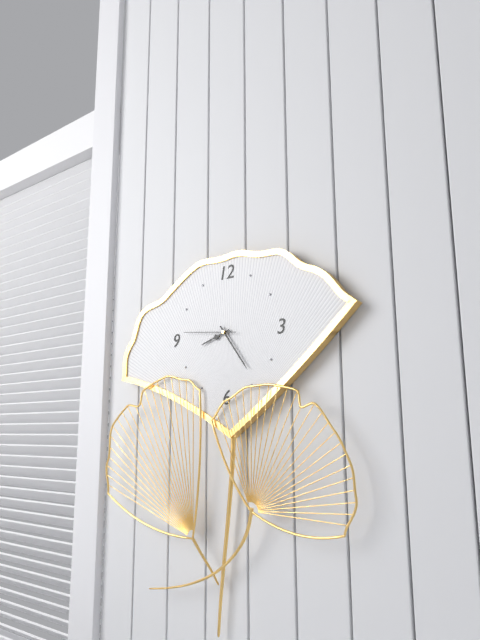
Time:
8.24
